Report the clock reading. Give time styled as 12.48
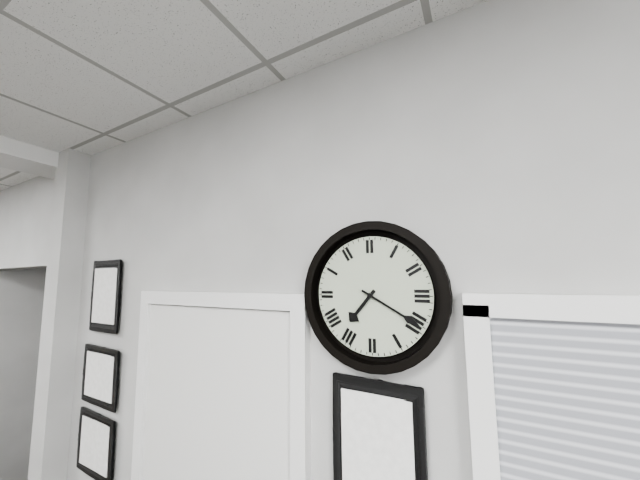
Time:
7.20
